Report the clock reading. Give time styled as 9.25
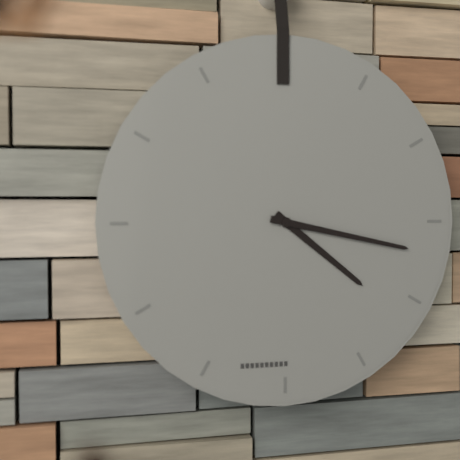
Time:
4.17
